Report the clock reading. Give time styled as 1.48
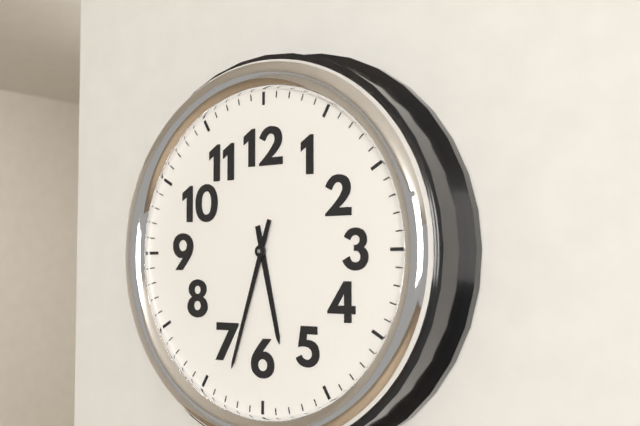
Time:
5.33
